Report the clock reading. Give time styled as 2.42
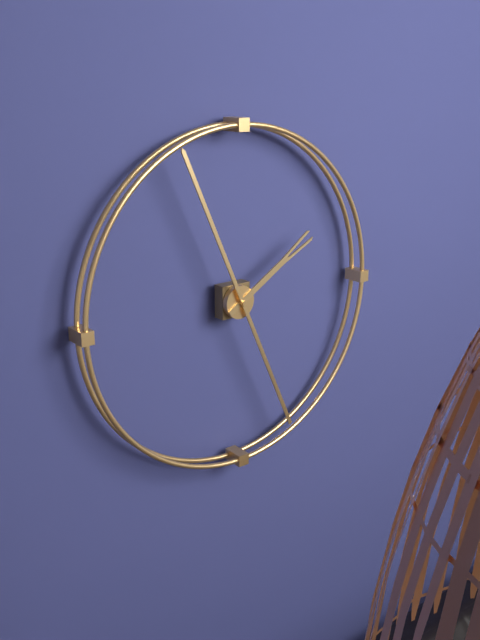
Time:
1.56
